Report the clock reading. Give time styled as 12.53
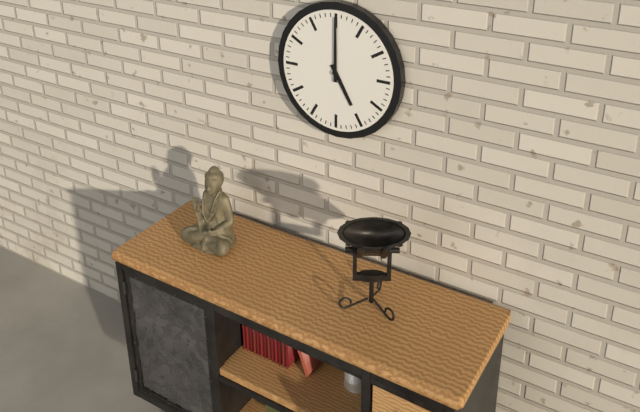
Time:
5.00
